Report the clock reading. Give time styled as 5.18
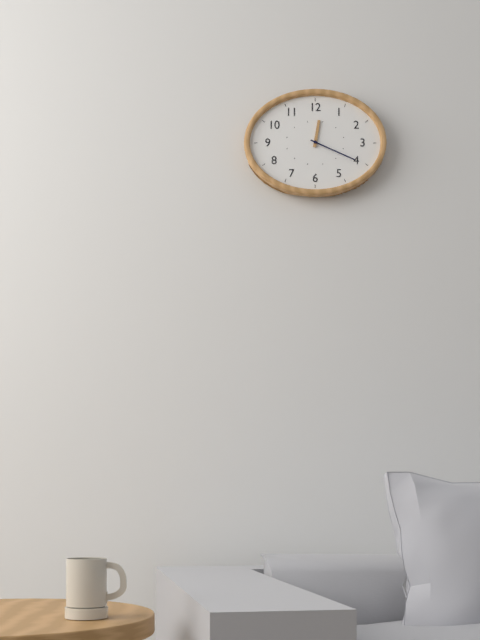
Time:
12.19
